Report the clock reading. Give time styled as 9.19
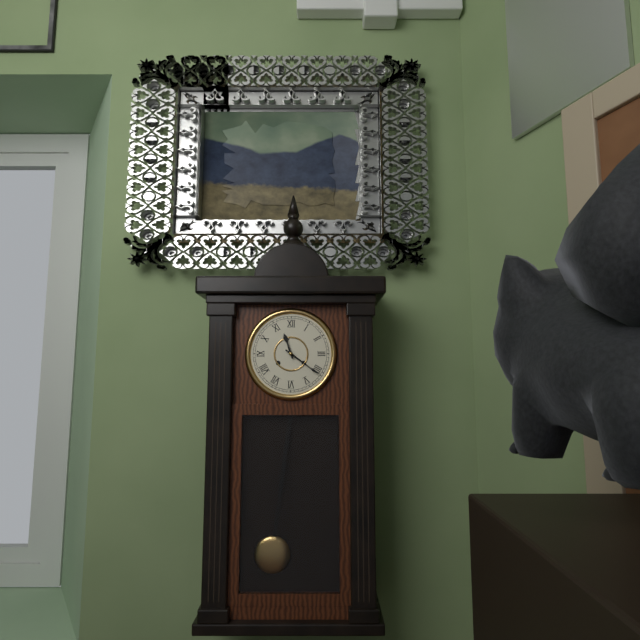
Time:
11.21
